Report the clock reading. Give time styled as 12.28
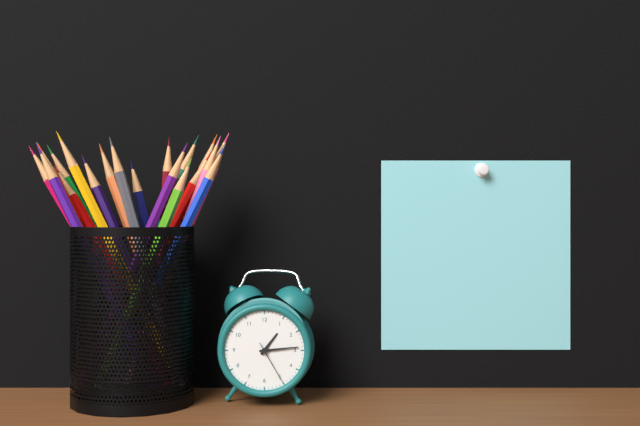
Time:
1.14
